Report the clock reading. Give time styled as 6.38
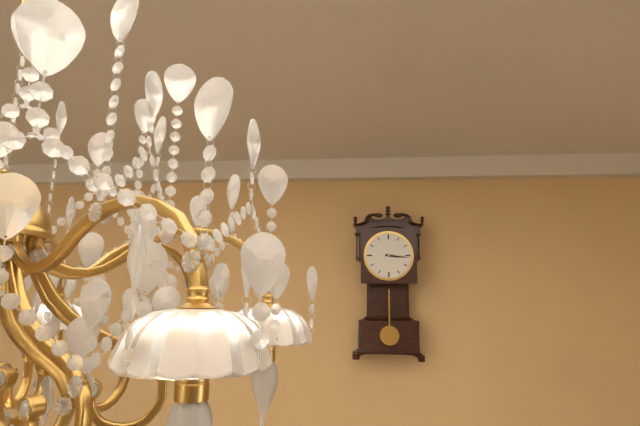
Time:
3.16
